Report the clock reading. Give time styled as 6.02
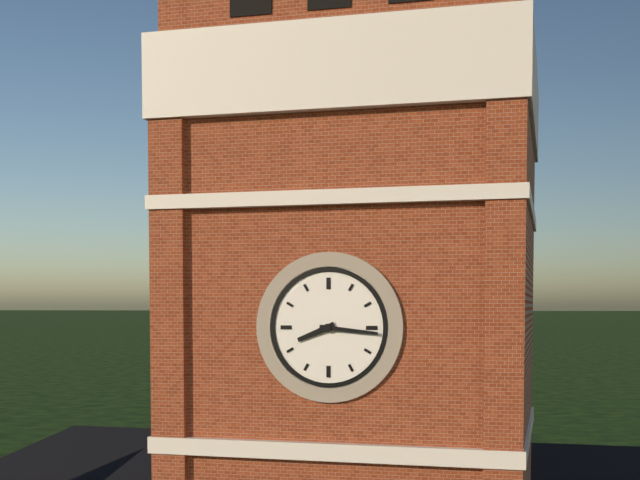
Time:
8.16
